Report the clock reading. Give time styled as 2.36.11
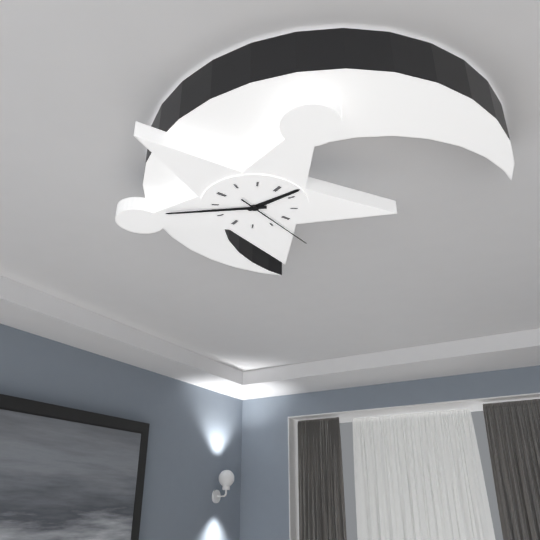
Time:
12.38.18
